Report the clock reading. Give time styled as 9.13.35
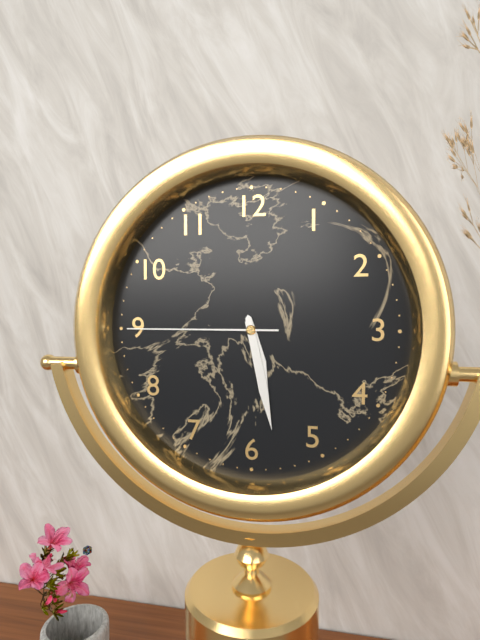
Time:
5.28.45
